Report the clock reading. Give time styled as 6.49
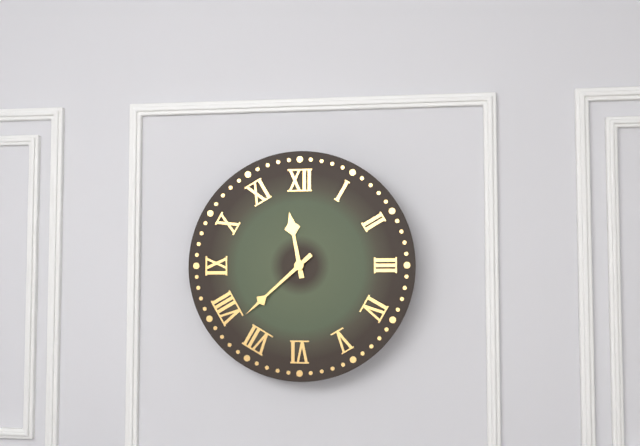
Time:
11.38
